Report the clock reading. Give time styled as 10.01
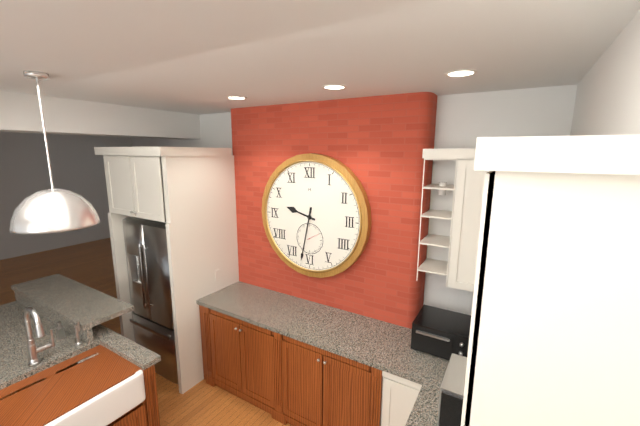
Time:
9.32
